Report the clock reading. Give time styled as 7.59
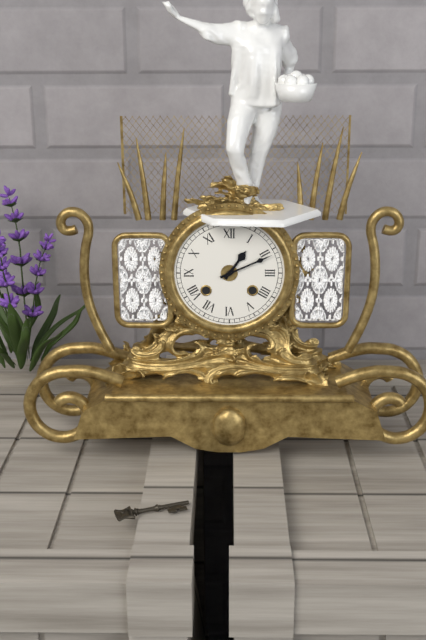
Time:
1.11
